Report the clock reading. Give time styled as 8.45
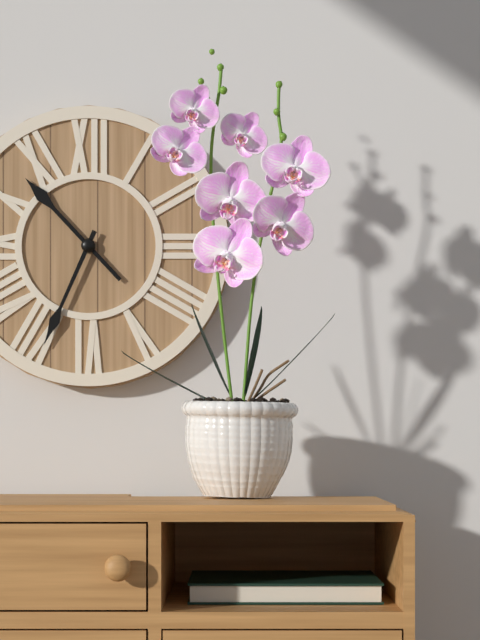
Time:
10.34
